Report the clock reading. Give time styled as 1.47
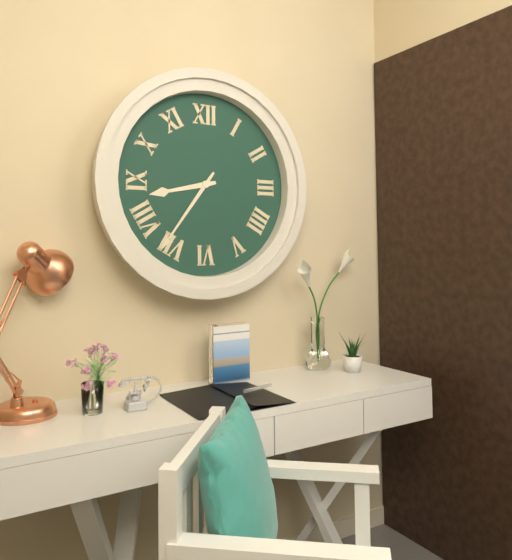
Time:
8.36
